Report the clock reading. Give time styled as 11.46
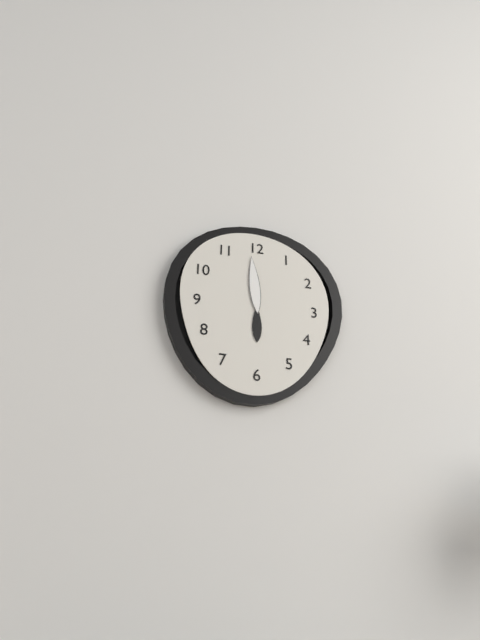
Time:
5.59
